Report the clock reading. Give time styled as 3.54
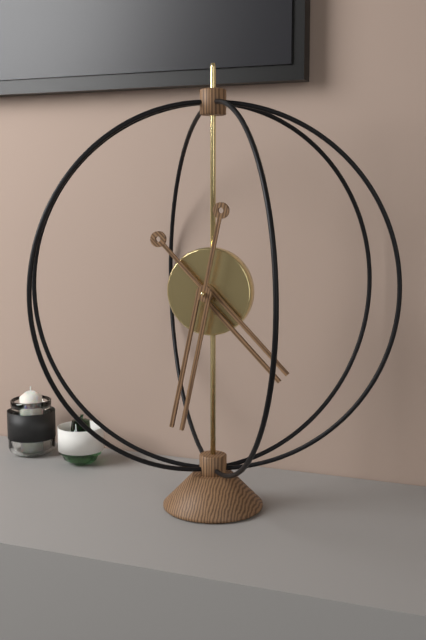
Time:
4.32
